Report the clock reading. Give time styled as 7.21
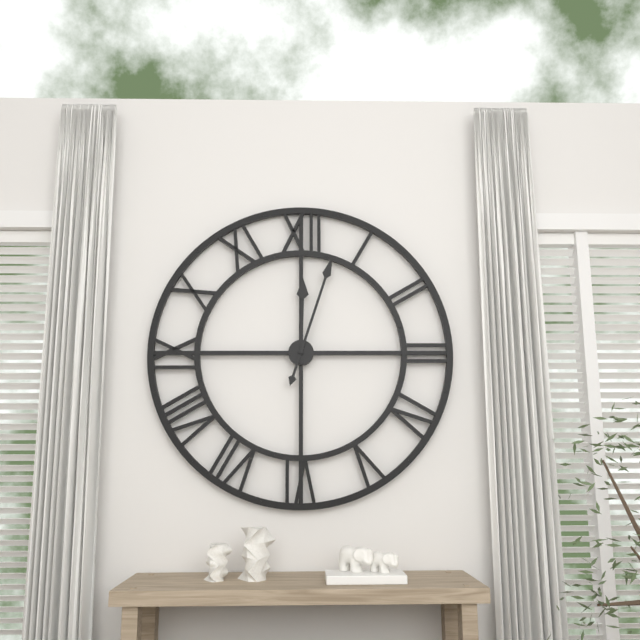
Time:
12.03
